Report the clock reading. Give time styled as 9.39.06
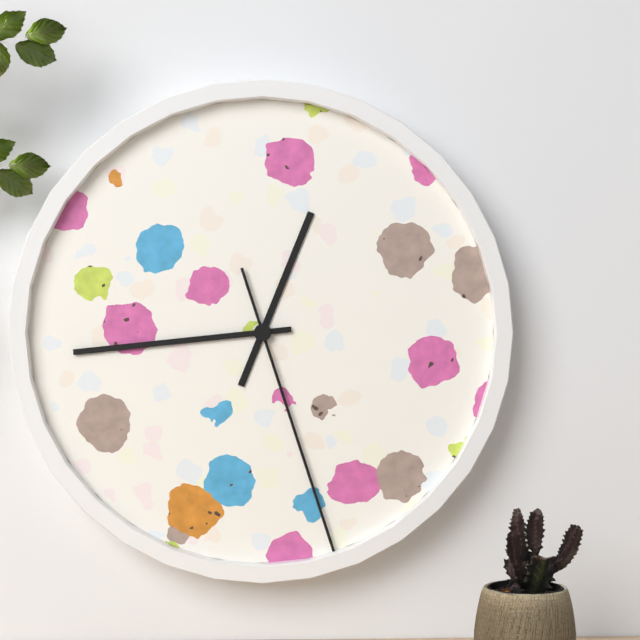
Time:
12.44.27
